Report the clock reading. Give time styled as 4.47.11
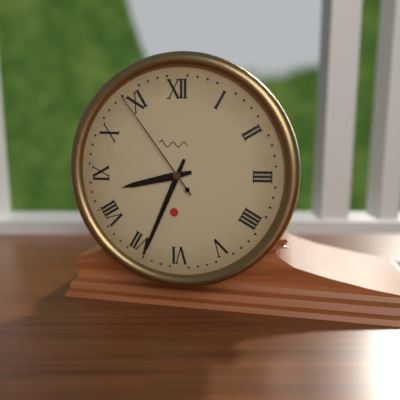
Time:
8.34.54
